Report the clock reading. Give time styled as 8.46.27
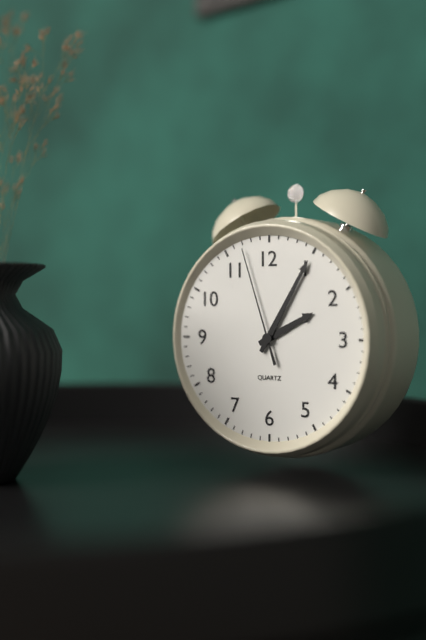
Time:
2.05.57
